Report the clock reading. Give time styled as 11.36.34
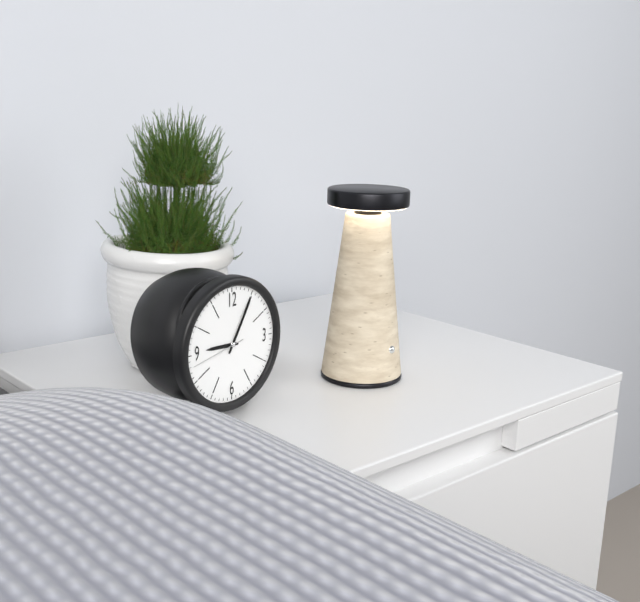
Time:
9.05.43
